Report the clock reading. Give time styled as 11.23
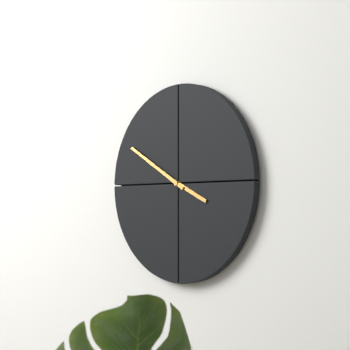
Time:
3.50
